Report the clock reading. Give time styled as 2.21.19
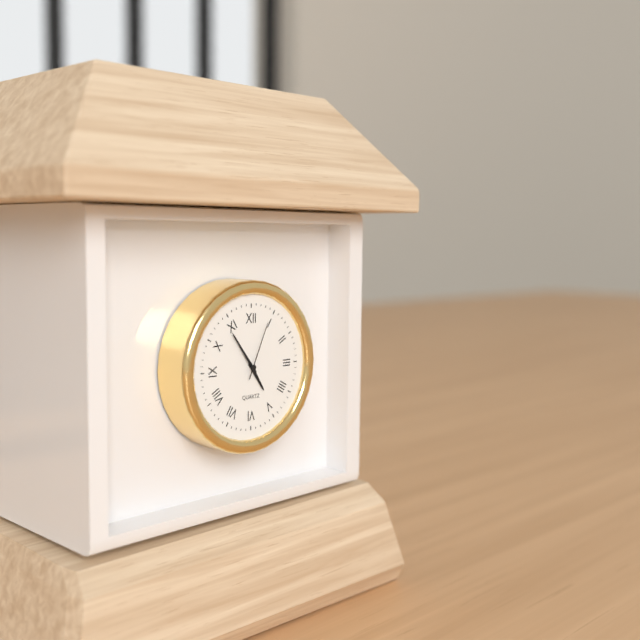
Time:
4.54.04
